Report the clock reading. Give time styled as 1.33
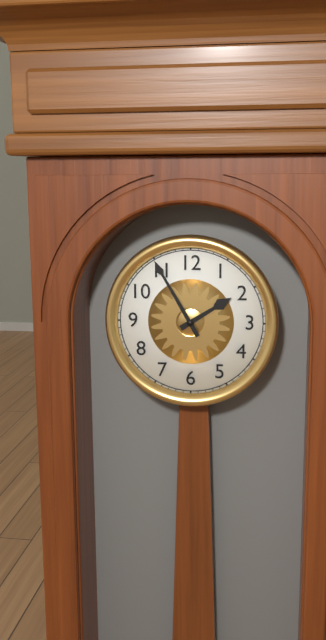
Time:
1.55
